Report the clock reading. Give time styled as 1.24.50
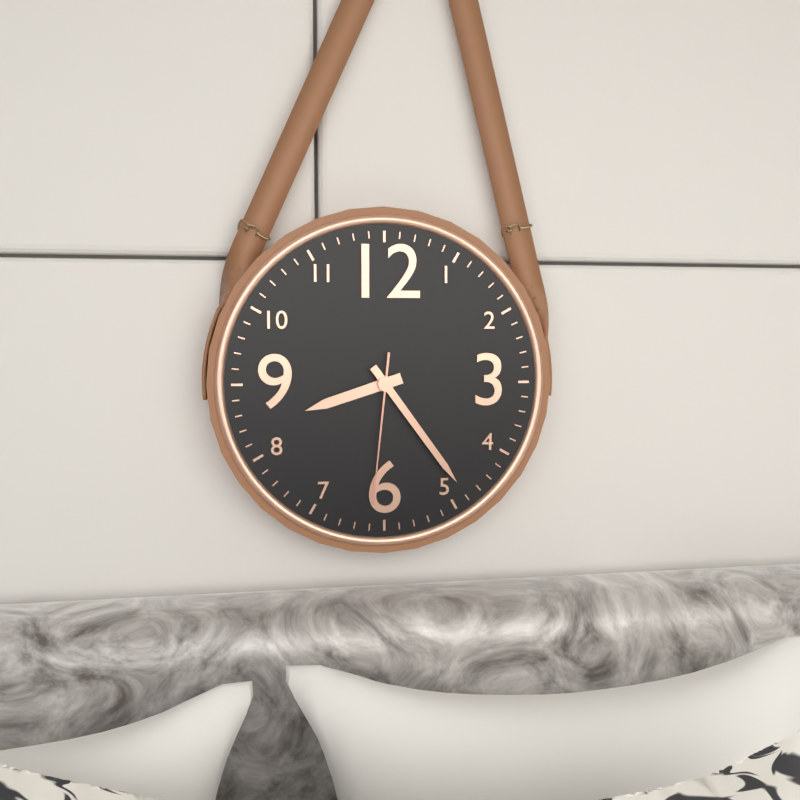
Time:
8.24.31
